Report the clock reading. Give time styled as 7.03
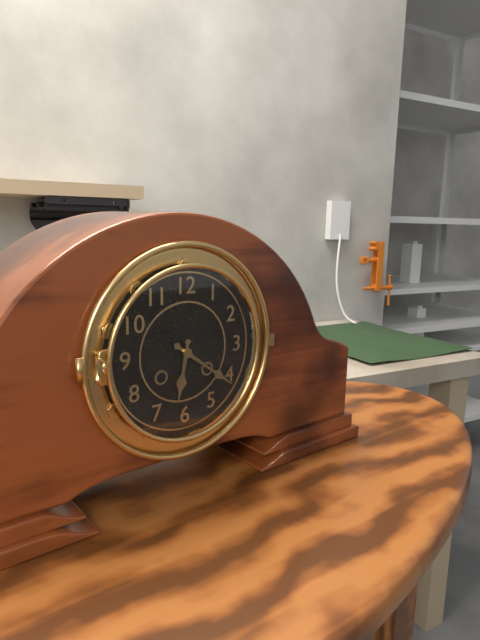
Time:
6.21
